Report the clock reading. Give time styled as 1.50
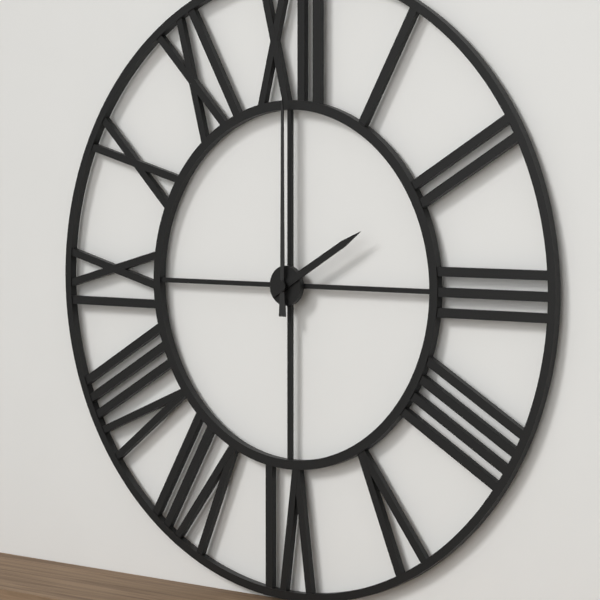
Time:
2.00
